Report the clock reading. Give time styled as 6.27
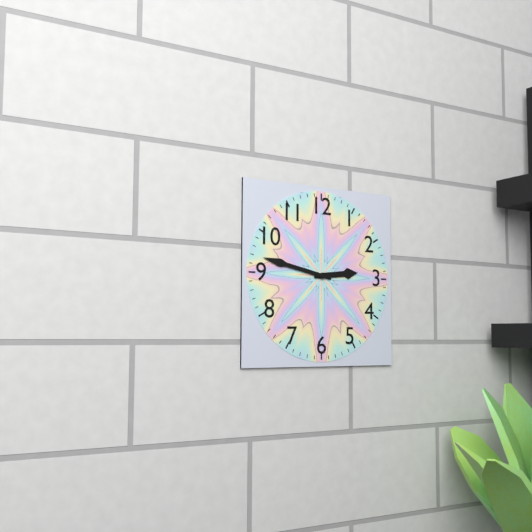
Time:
2.47
